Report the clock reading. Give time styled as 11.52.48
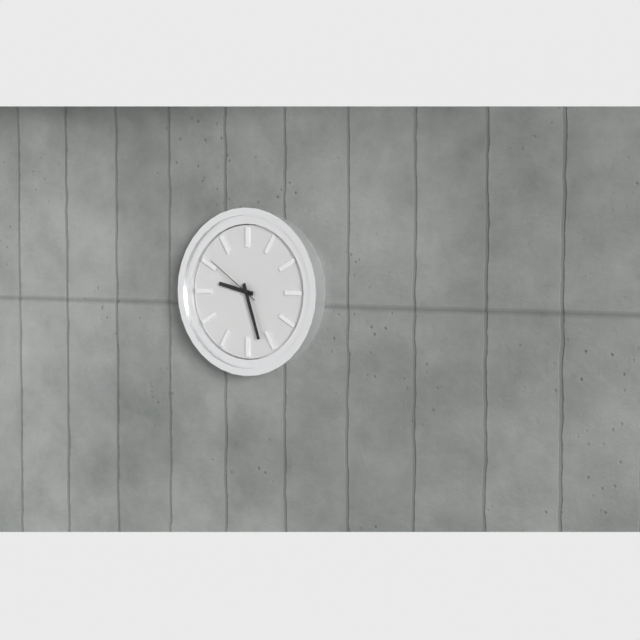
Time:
9.27.51
